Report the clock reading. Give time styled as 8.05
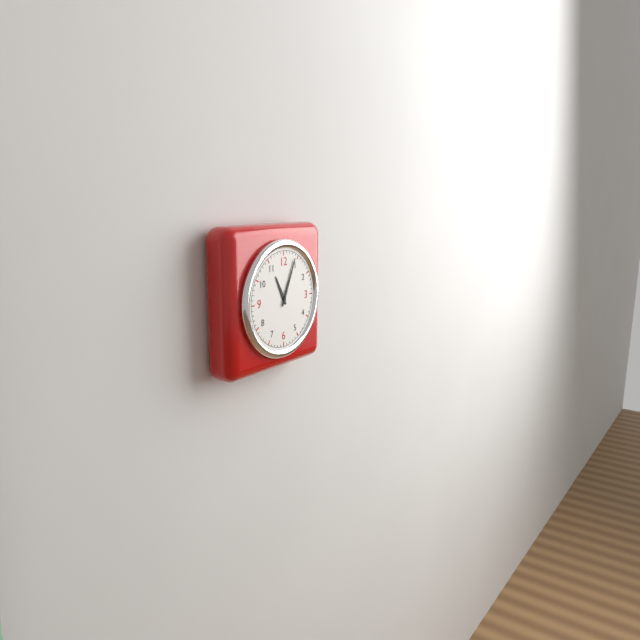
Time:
11.04
